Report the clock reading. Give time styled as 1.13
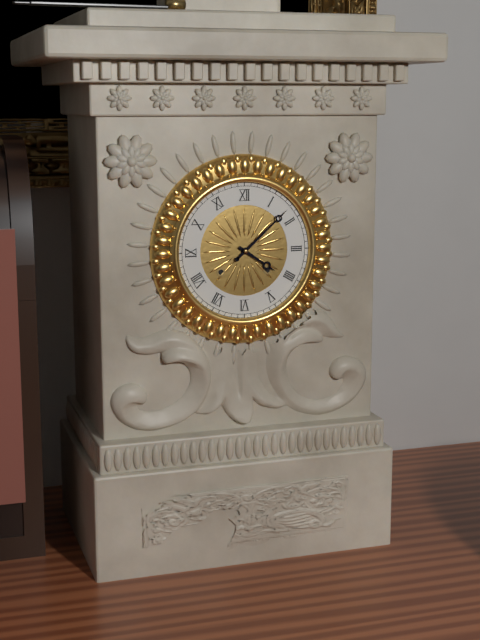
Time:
4.08
